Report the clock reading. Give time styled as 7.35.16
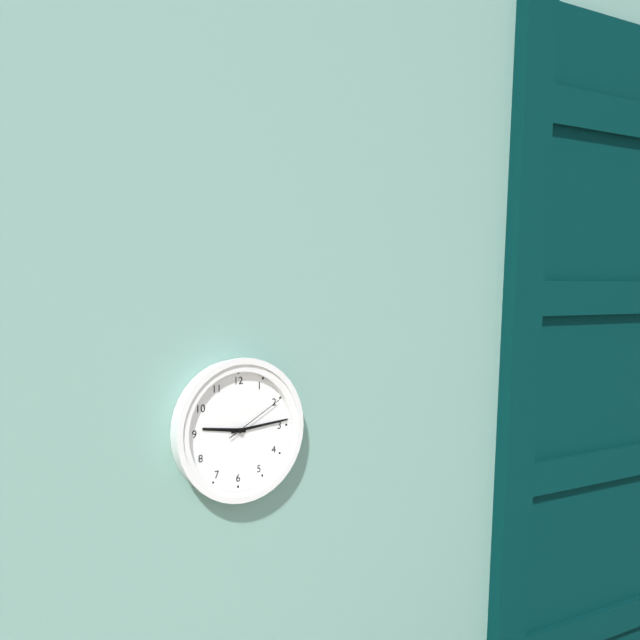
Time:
9.14.10
